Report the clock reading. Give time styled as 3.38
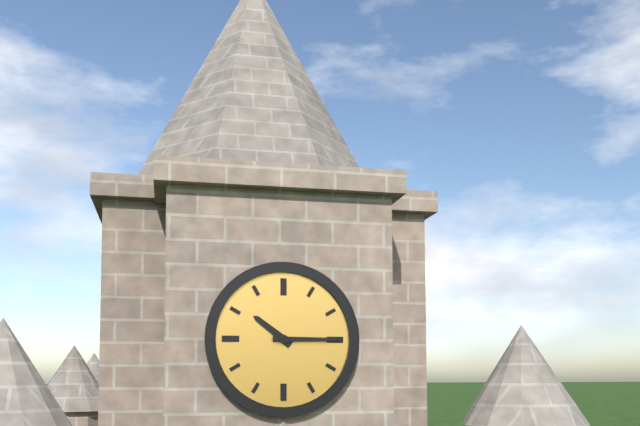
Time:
10.15
